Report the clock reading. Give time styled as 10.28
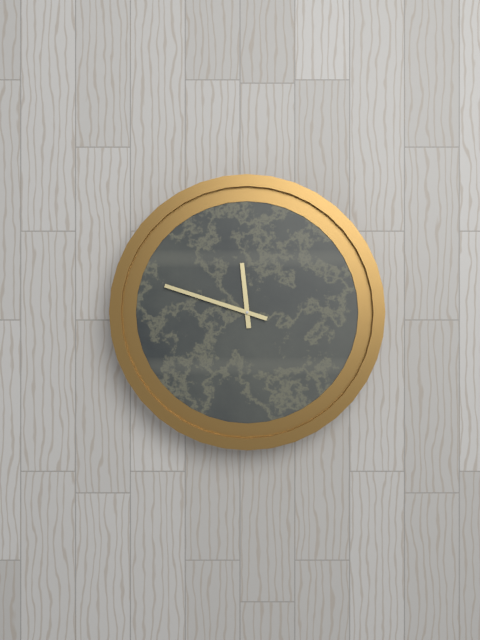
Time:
11.48
